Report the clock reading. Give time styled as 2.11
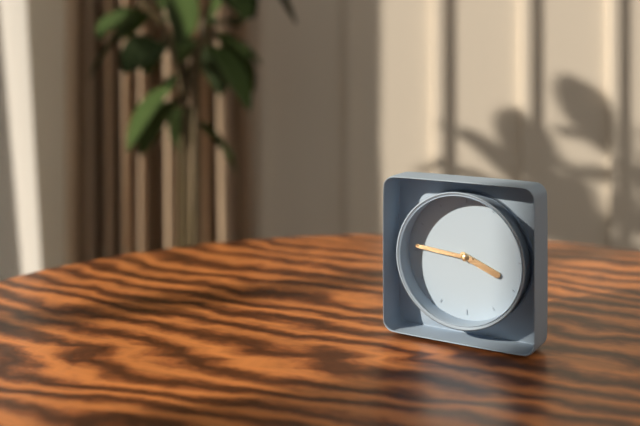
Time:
3.46
